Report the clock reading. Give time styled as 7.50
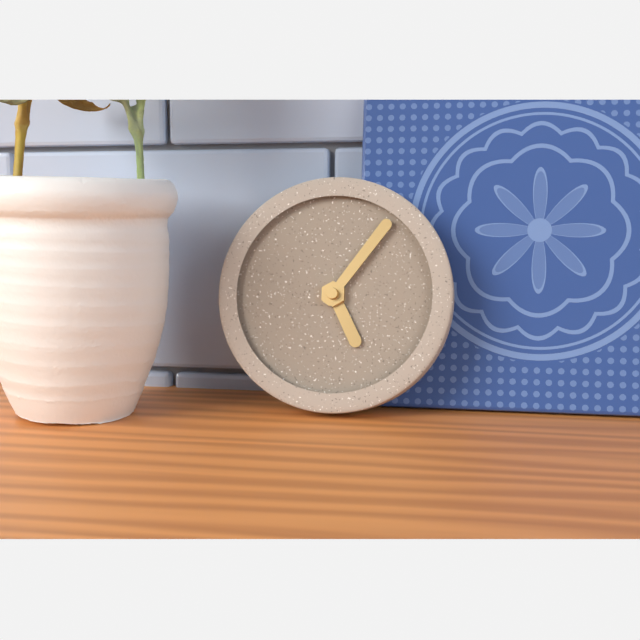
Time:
5.06
